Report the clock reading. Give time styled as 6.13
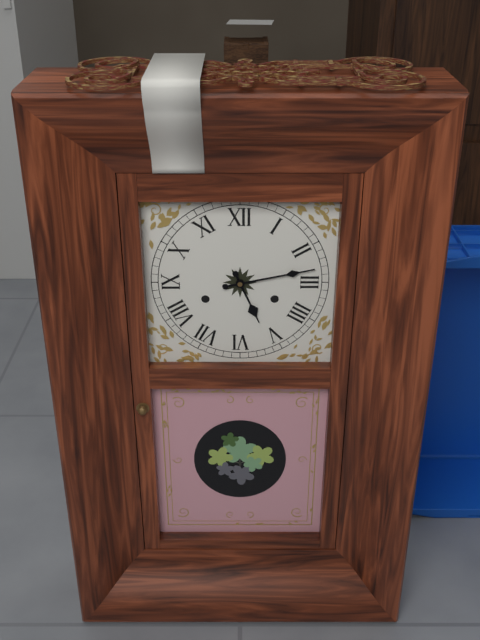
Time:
5.13
